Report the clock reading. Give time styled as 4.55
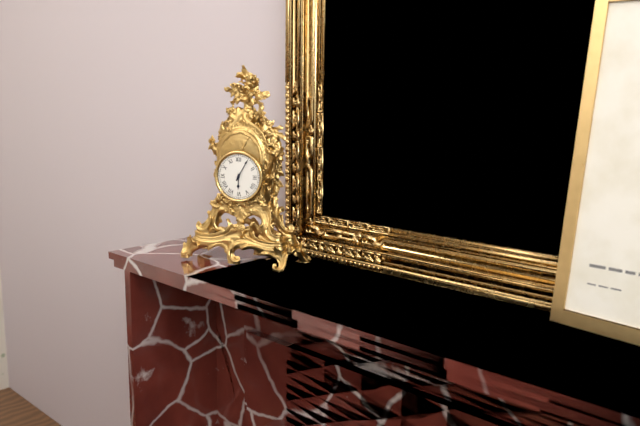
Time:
6.05
